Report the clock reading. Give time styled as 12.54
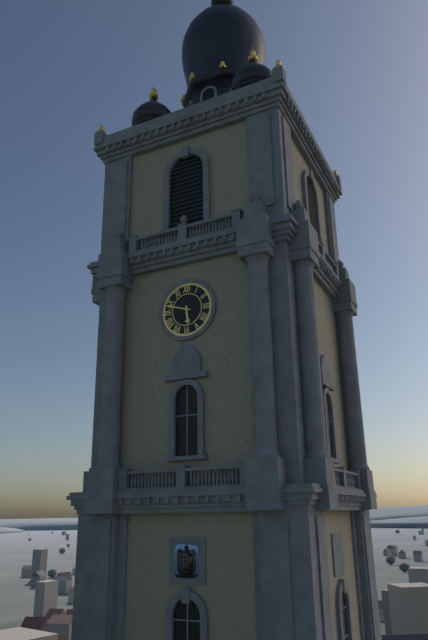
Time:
5.48
